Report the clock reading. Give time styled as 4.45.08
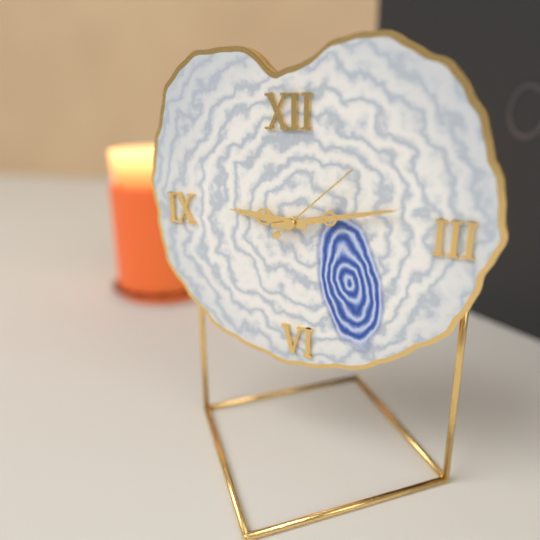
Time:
9.13.08
